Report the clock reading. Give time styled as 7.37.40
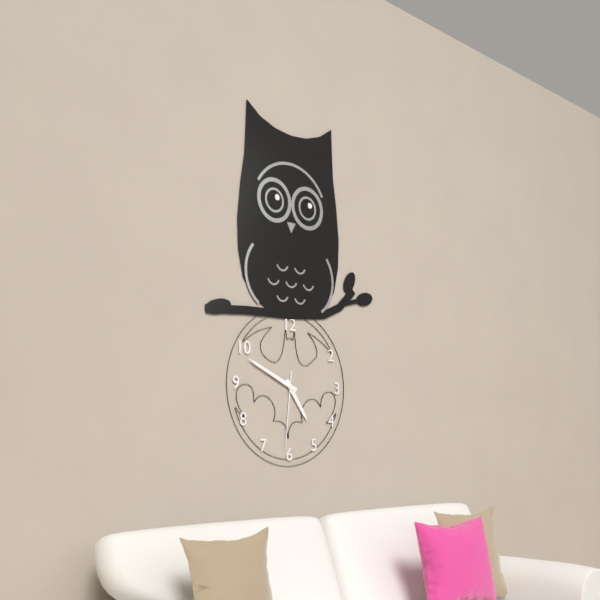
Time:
4.49.31
